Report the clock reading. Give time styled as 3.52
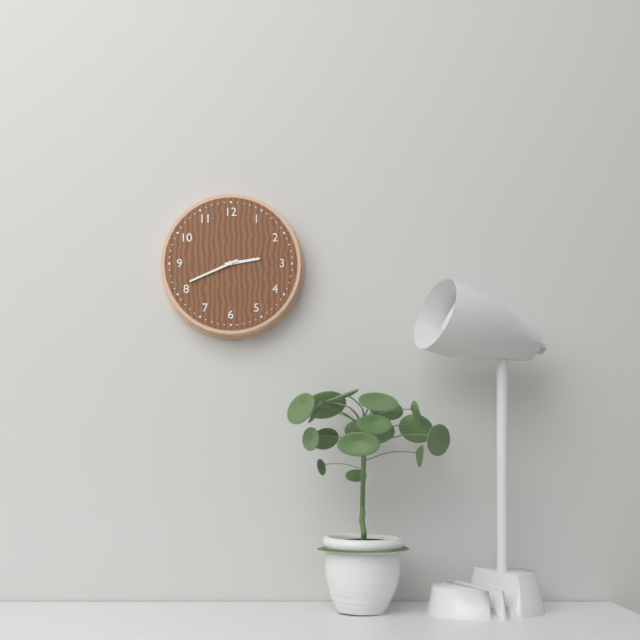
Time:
2.41
